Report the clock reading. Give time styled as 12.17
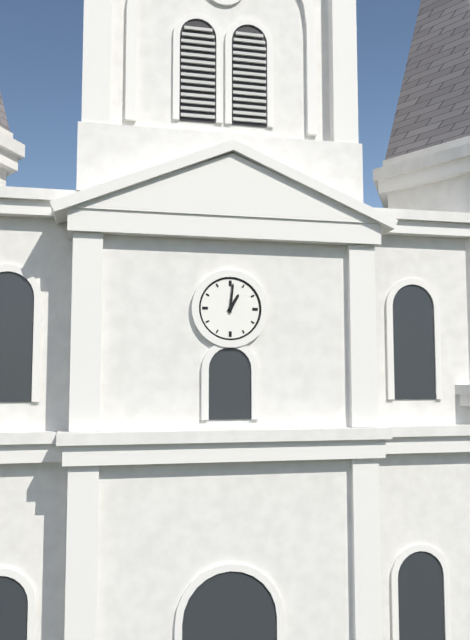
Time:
1.01
